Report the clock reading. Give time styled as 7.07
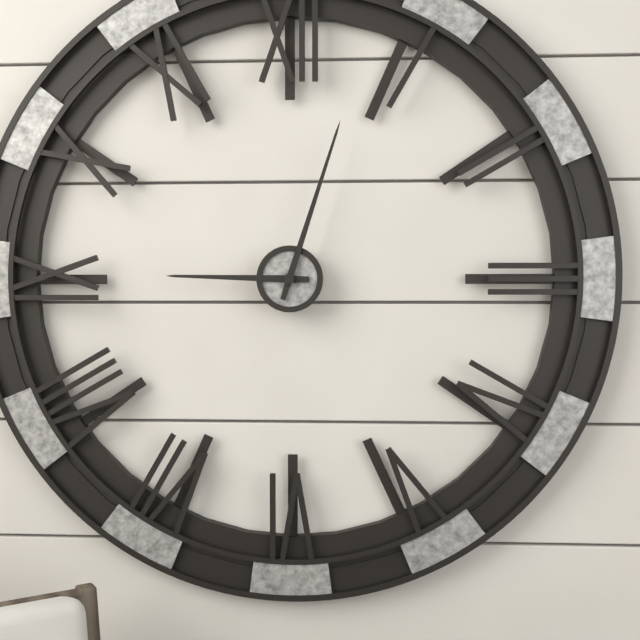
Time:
9.03
